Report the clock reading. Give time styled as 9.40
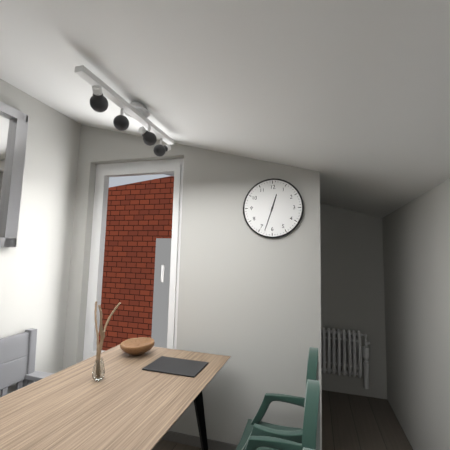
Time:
12.33
